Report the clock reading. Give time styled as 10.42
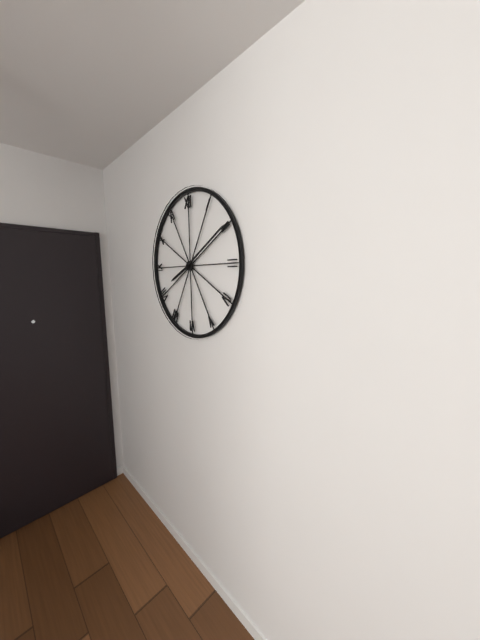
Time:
8.10
